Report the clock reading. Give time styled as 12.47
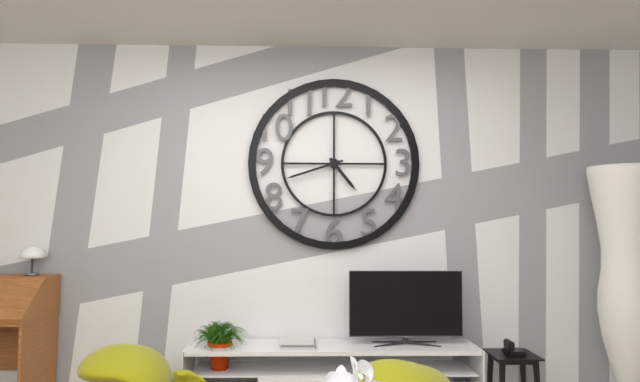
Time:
4.42
